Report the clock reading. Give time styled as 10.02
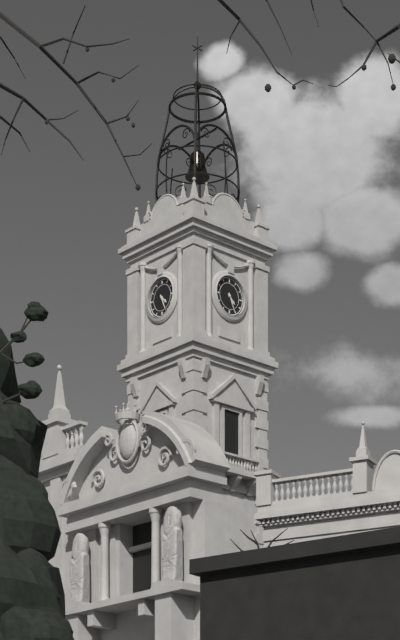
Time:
4.26
